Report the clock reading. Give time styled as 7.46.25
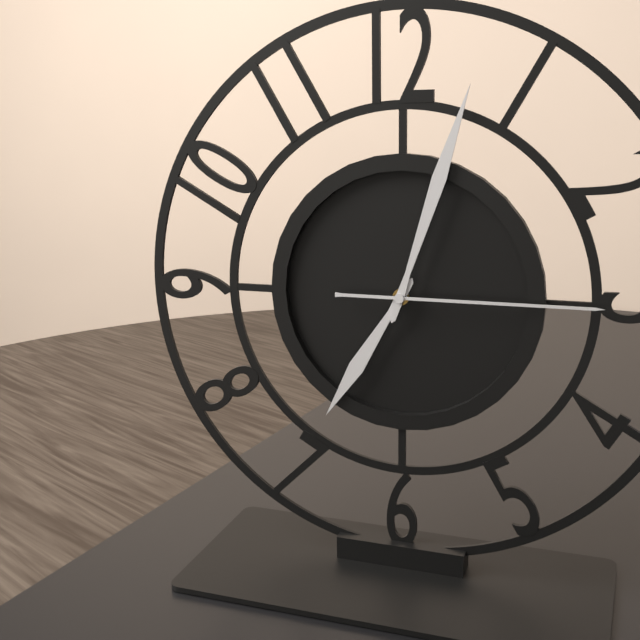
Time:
7.03.15
